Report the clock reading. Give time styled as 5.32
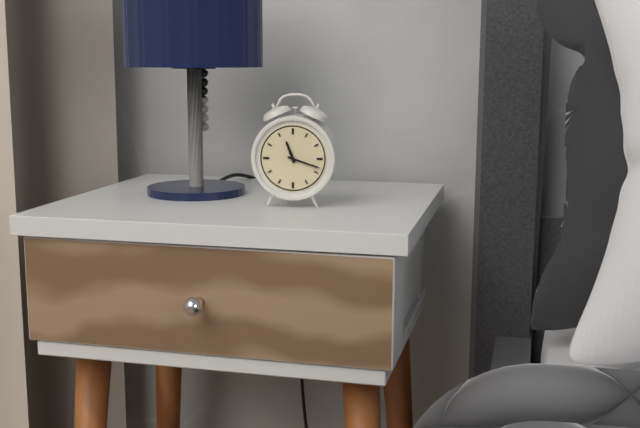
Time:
11.18
